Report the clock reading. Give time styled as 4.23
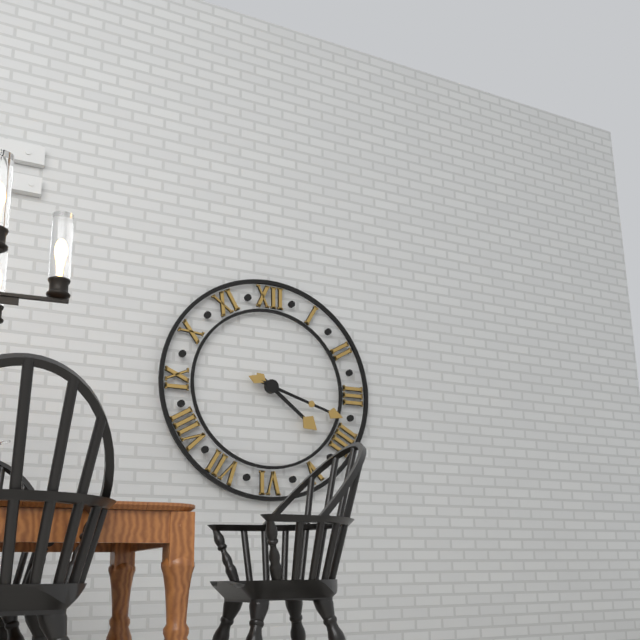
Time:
4.18
